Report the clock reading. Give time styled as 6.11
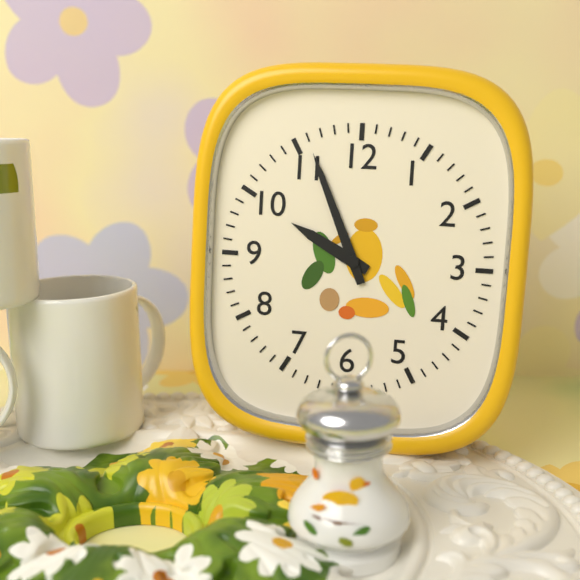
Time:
9.56
